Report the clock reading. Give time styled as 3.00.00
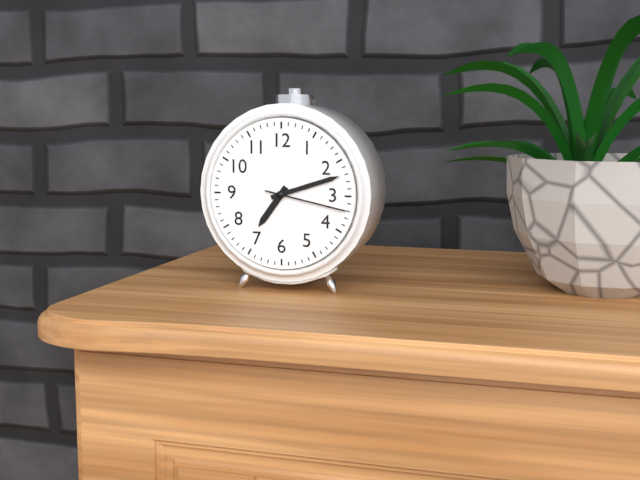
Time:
7.12.17
